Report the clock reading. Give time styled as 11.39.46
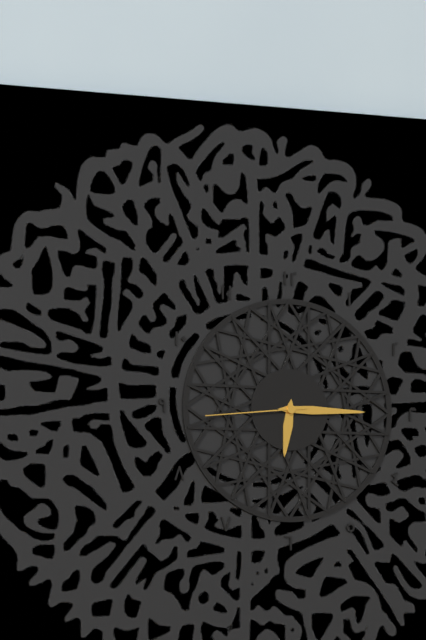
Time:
6.15.44
